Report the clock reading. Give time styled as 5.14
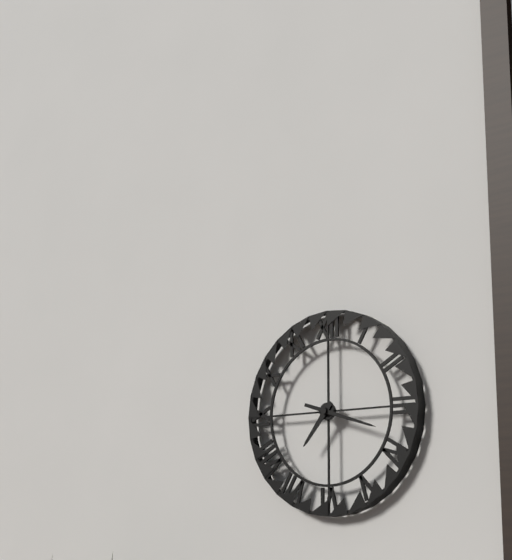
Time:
7.18
